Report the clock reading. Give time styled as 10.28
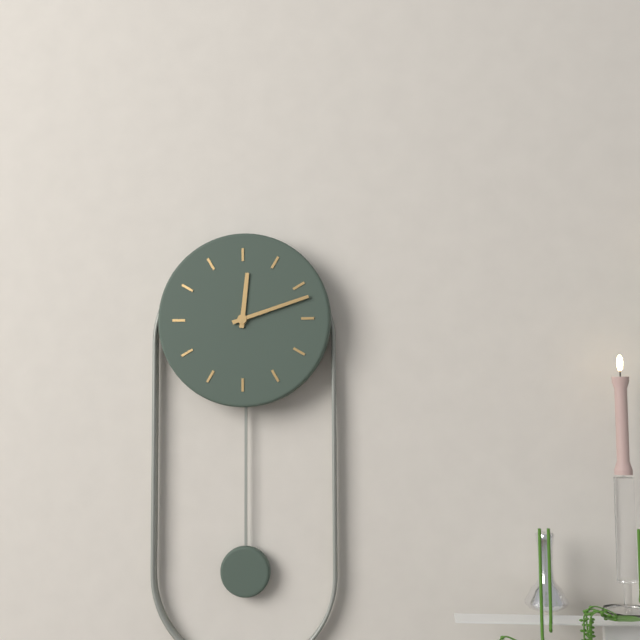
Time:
12.12
